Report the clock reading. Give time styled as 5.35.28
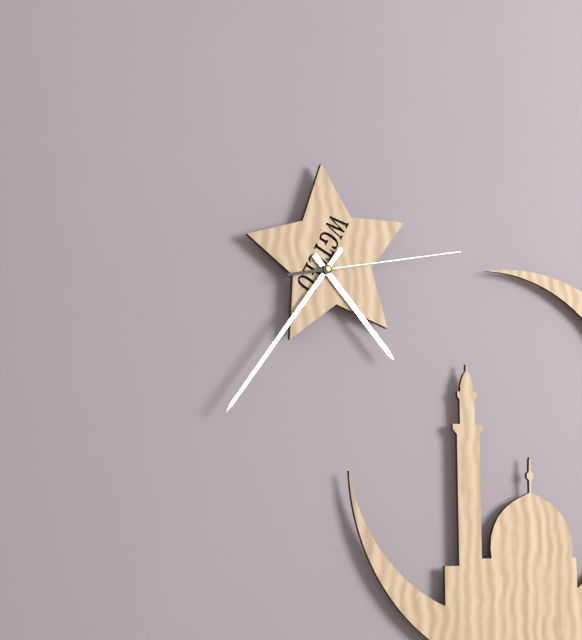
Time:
4.36.13
